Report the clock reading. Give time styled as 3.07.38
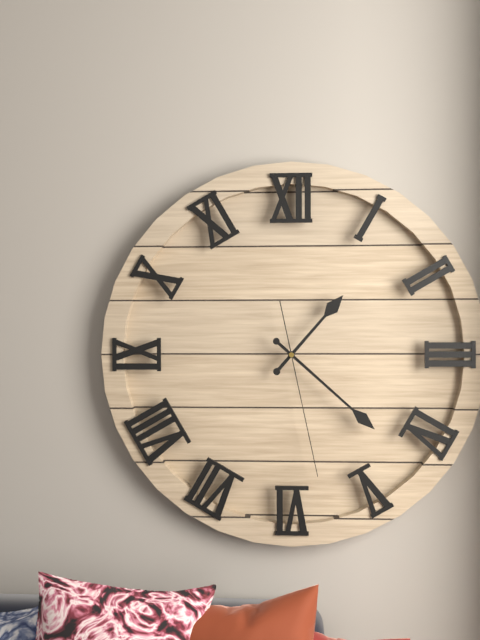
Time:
1.22.28
